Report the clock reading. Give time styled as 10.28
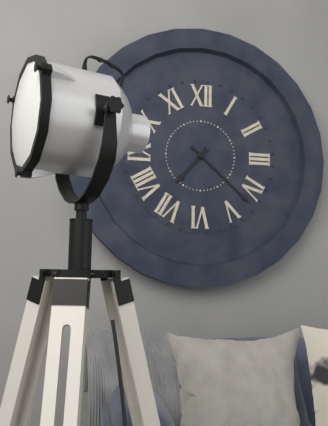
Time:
7.22
